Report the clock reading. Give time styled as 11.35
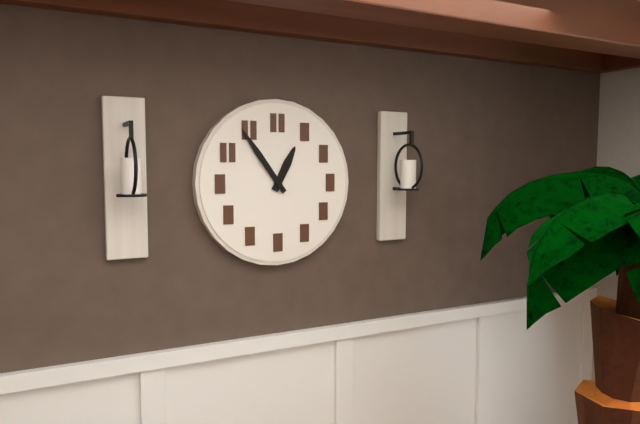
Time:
12.54
